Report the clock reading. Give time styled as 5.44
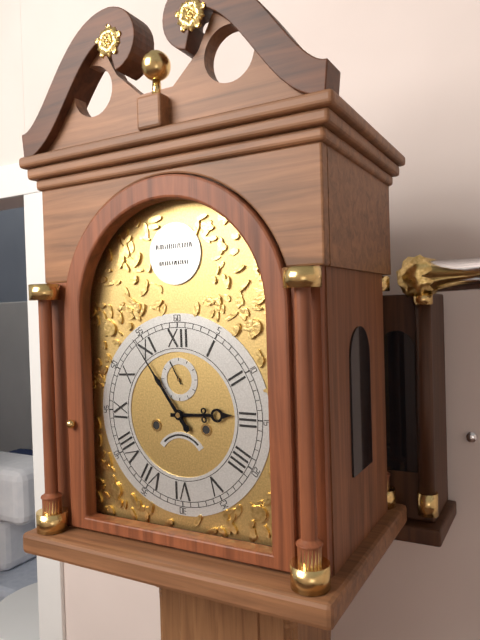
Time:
2.54
